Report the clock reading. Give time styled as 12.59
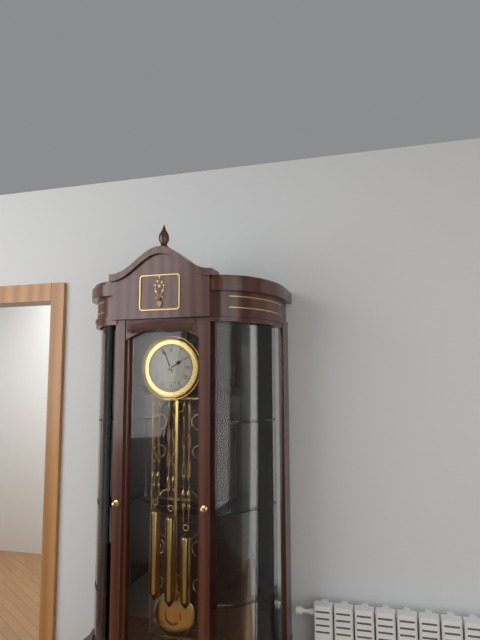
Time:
1.56
